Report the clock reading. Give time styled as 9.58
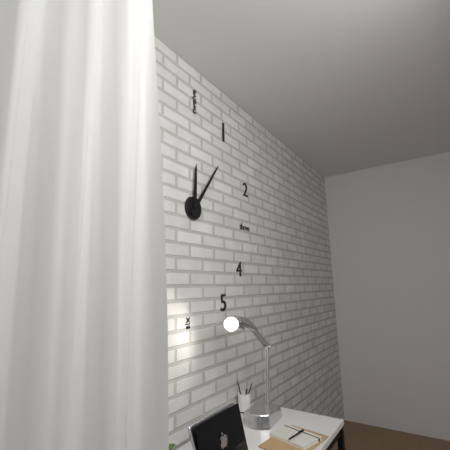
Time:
12.06
